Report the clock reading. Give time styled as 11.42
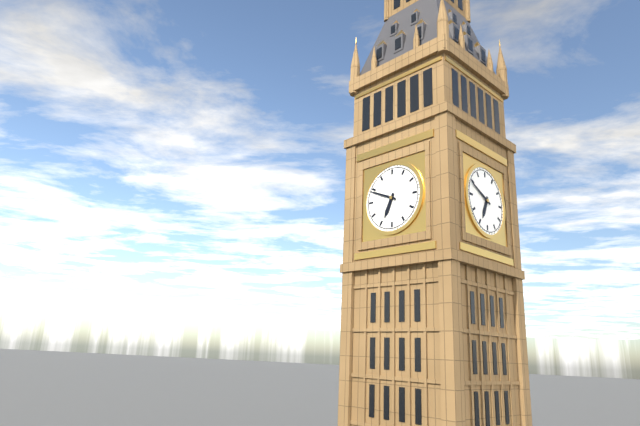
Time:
6.49
